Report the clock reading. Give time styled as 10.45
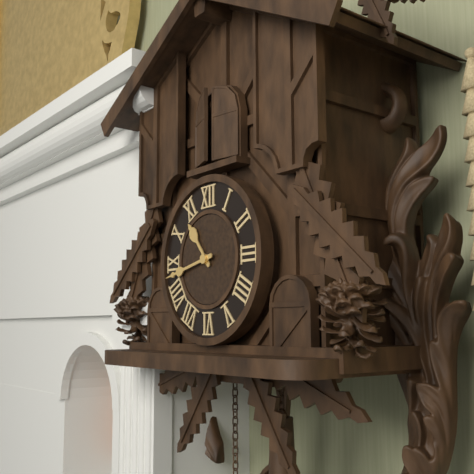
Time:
10.43
